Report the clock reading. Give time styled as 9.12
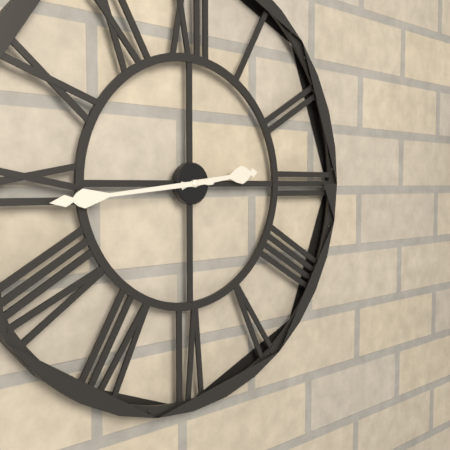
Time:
2.44
